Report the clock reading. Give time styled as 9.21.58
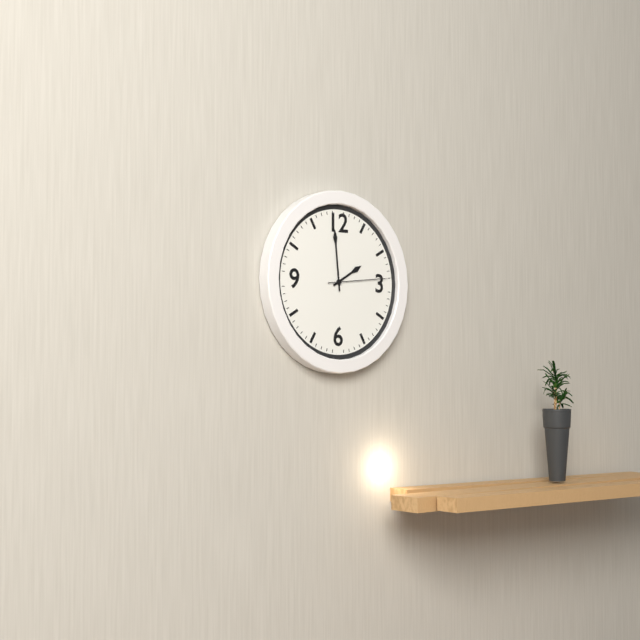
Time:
1.59.14
